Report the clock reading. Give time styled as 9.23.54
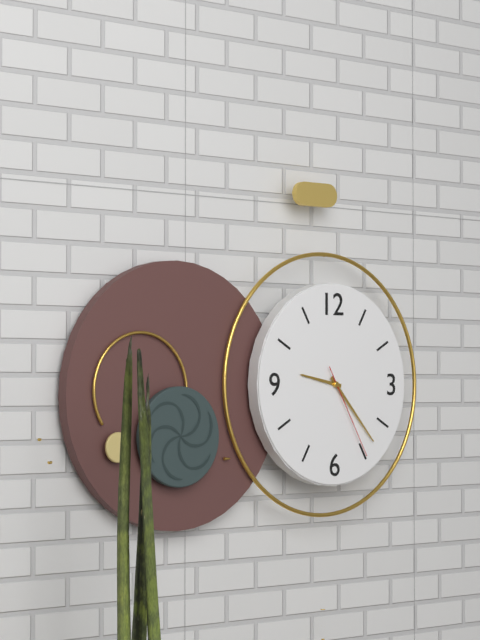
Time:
9.23.25
